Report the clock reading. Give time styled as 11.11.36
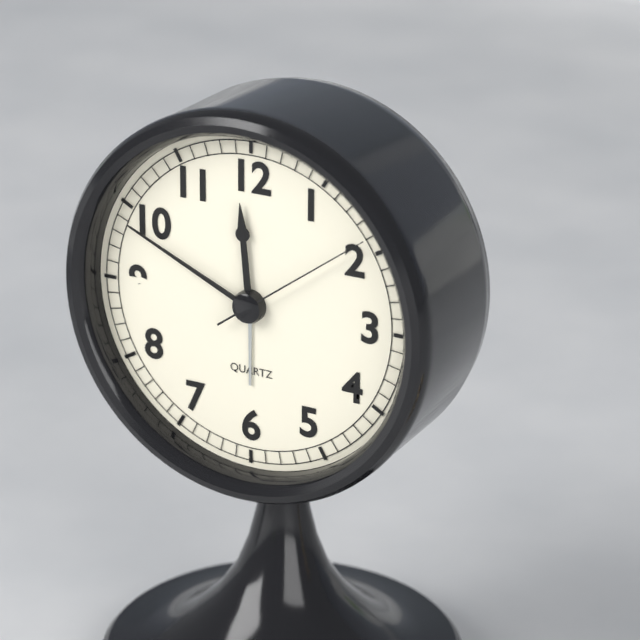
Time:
11.49.09
